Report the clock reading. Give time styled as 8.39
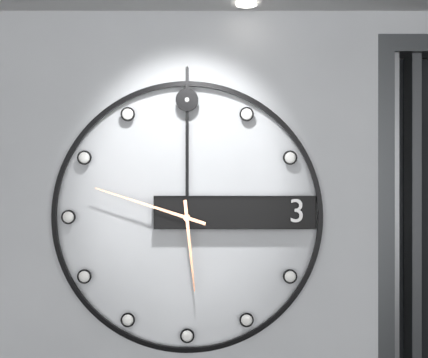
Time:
5.48
